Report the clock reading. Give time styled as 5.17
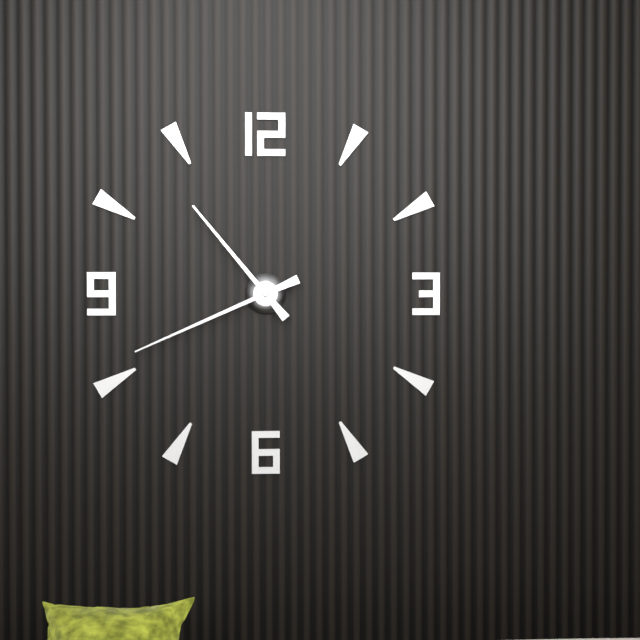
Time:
10.41
